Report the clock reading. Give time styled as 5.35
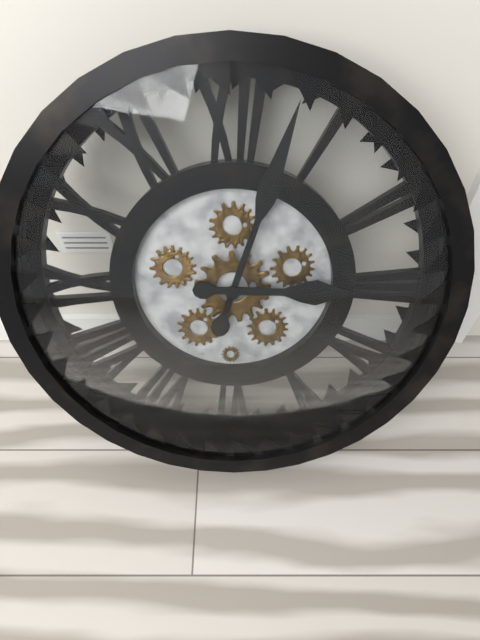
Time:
3.03
